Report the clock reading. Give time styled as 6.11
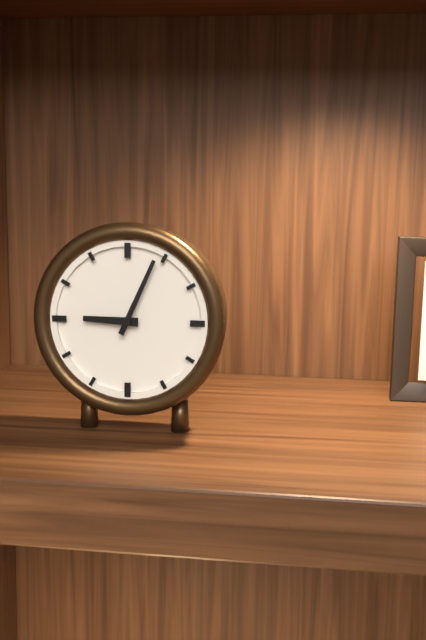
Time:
9.04
